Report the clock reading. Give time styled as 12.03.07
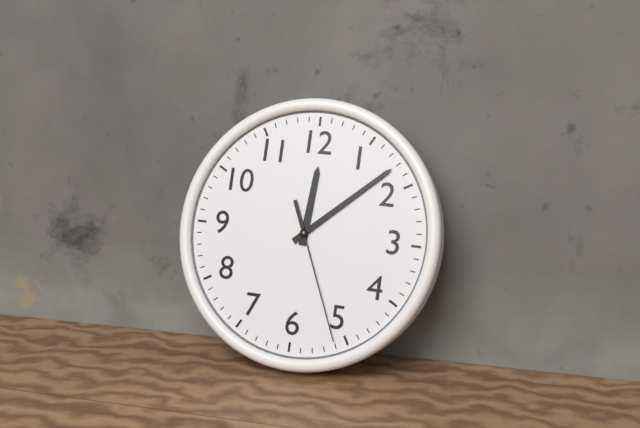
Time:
12.08.26
